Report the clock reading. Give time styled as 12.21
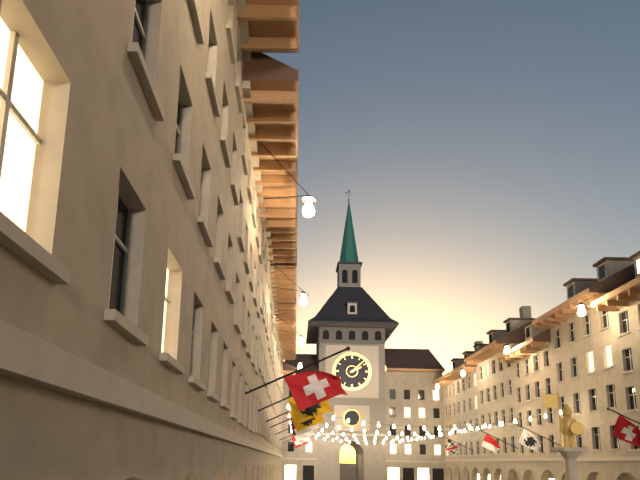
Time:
2.08
